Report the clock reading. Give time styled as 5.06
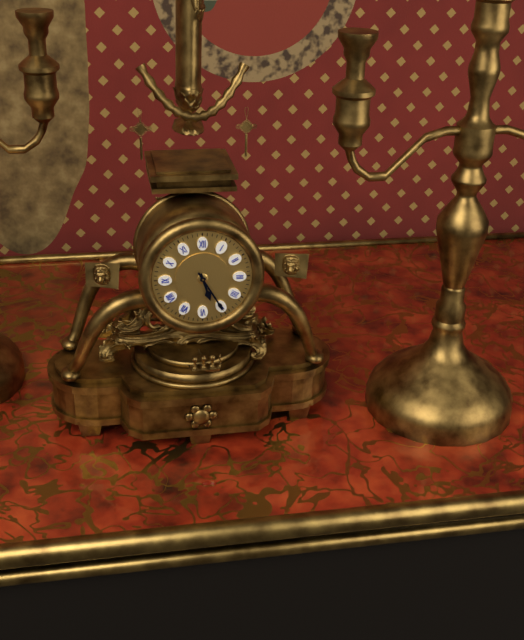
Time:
5.25
